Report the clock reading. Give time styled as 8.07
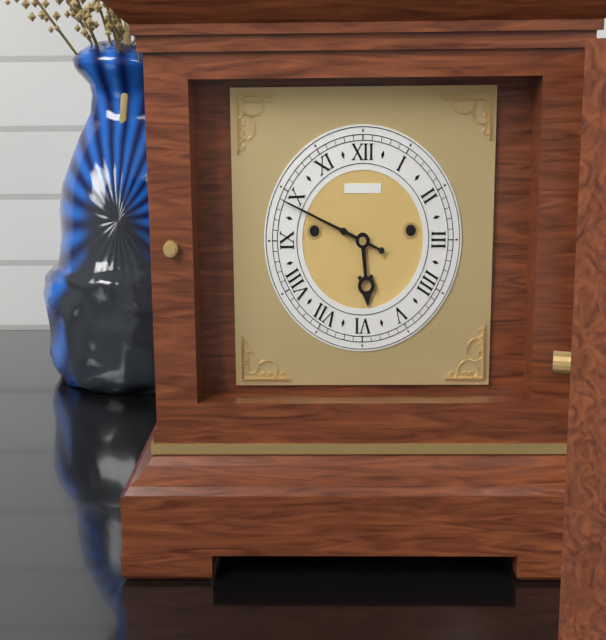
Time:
5.49
